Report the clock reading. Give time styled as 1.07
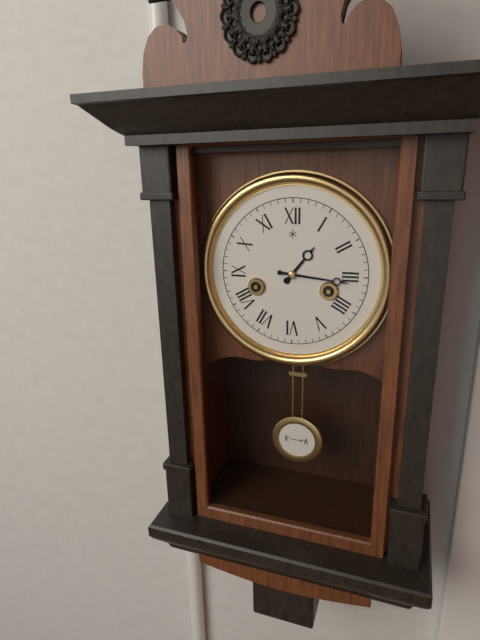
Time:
1.16
